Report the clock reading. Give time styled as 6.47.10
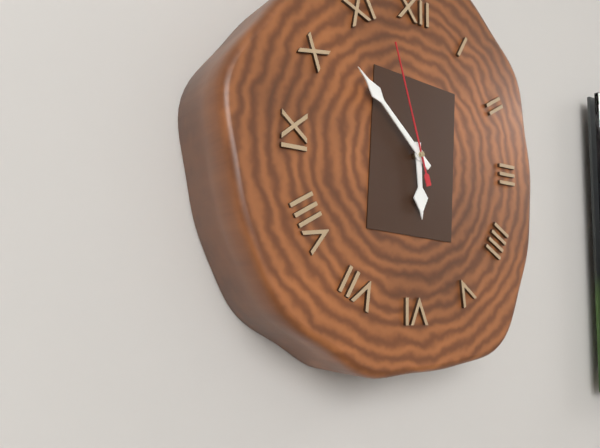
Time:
5.52.57
